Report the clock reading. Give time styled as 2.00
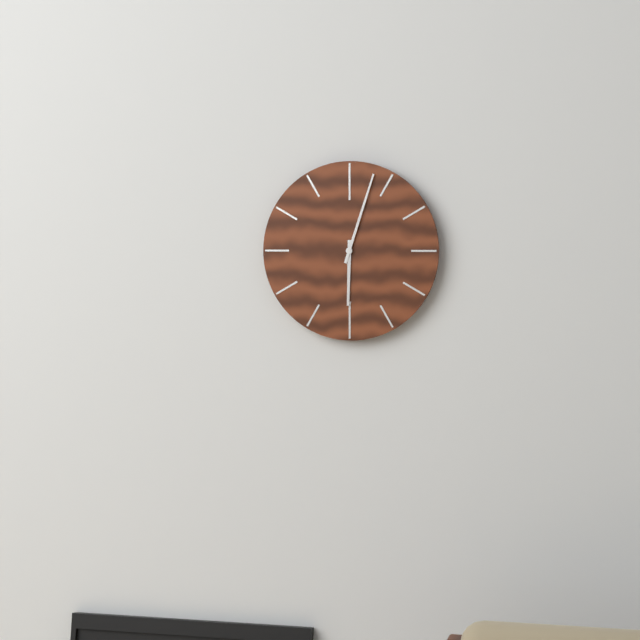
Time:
6.03
